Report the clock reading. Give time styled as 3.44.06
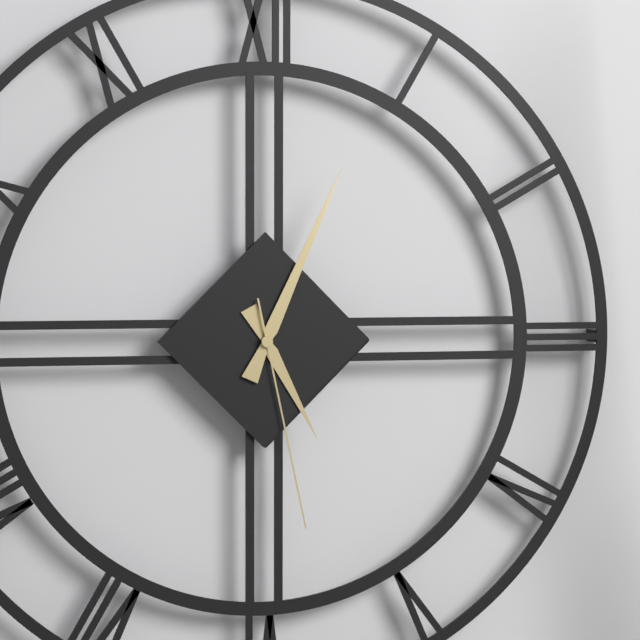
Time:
5.04.28
